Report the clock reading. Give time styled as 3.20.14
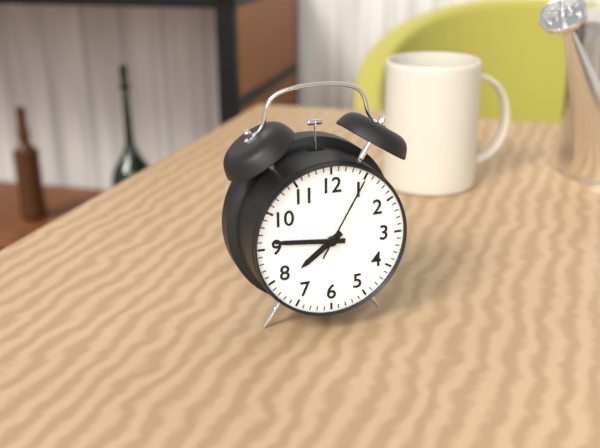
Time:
7.46.05
